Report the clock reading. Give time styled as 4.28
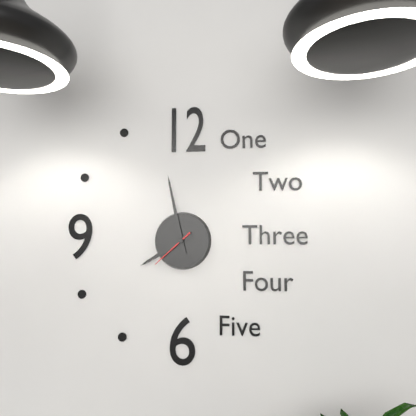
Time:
7.58
